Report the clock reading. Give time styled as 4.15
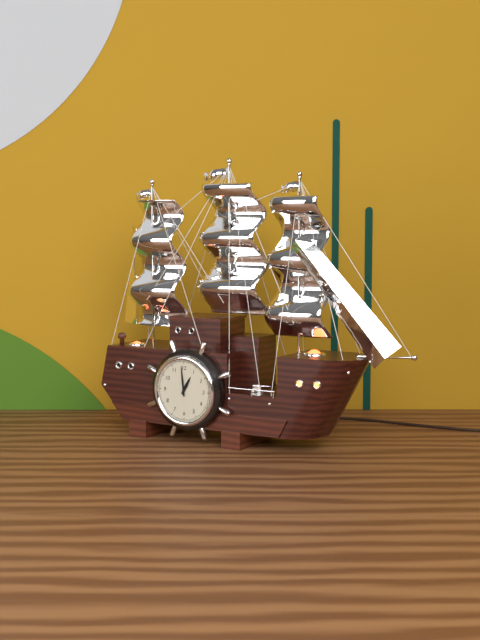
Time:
12.59
